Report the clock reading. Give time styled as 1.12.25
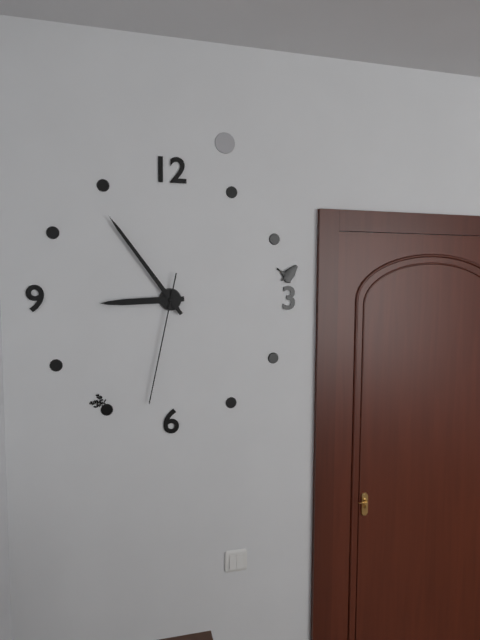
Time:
8.54.32
